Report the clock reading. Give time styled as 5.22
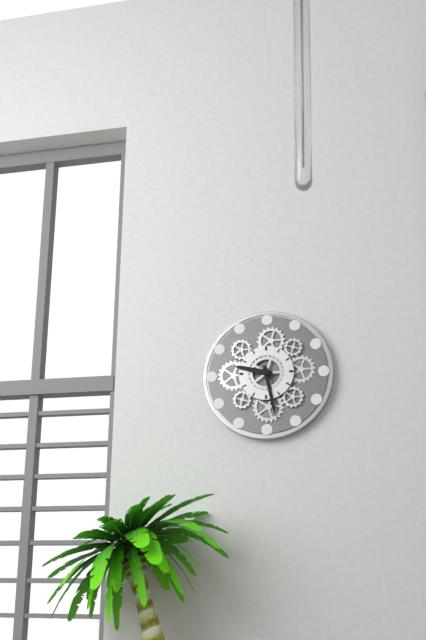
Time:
9.28
